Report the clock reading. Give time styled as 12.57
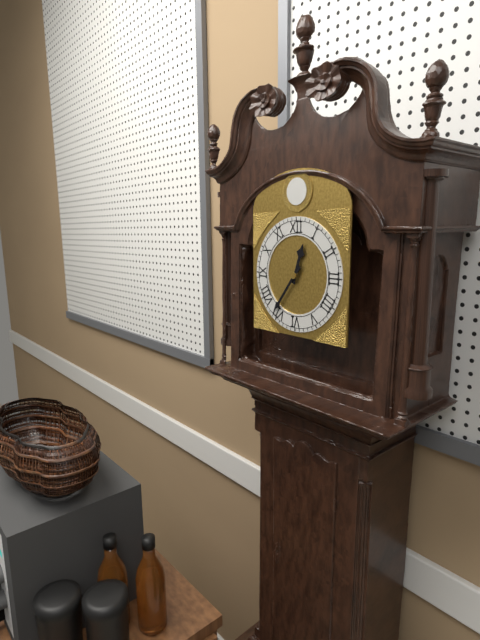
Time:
12.36
